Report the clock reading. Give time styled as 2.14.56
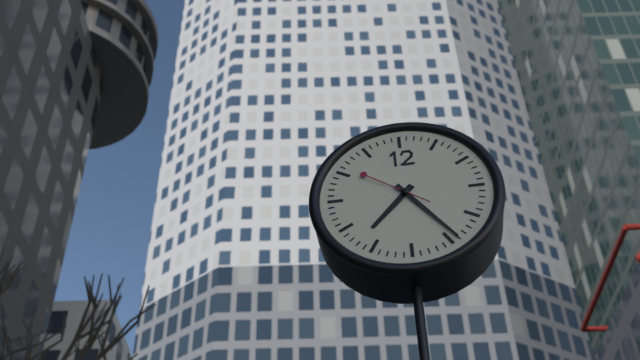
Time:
7.24.51
